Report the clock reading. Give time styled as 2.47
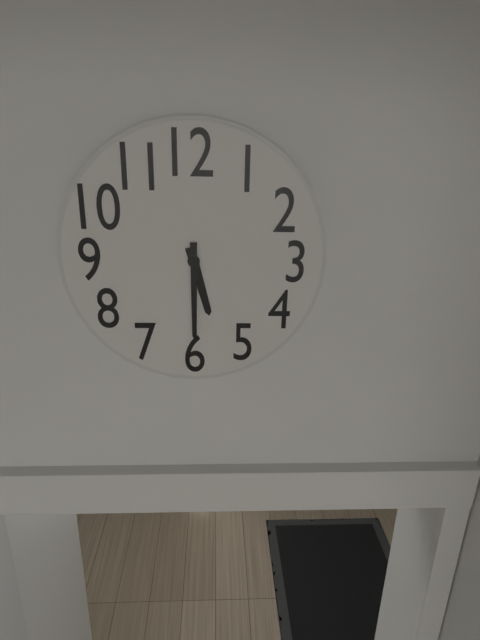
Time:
5.30
